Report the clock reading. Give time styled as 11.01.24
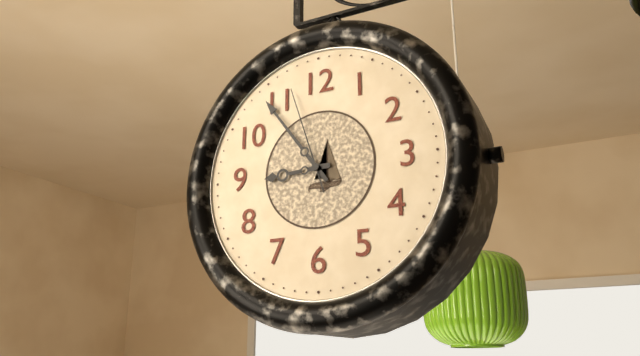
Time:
8.54.57
